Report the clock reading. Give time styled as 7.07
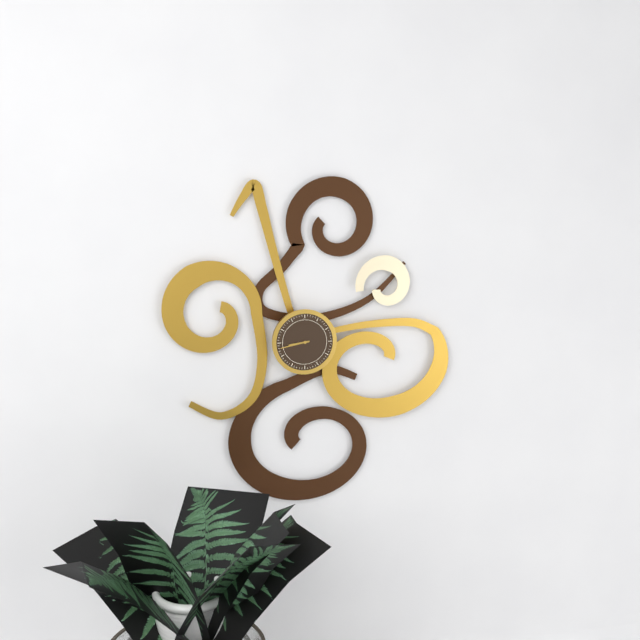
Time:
8.43
